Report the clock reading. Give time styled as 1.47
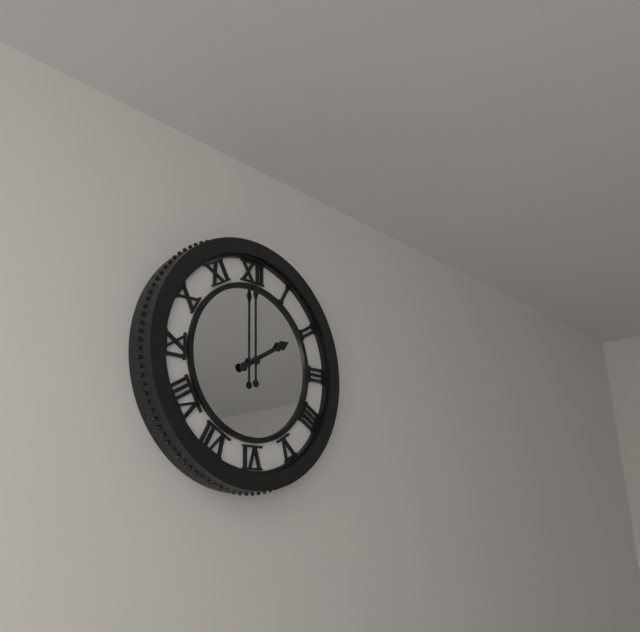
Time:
2.00
